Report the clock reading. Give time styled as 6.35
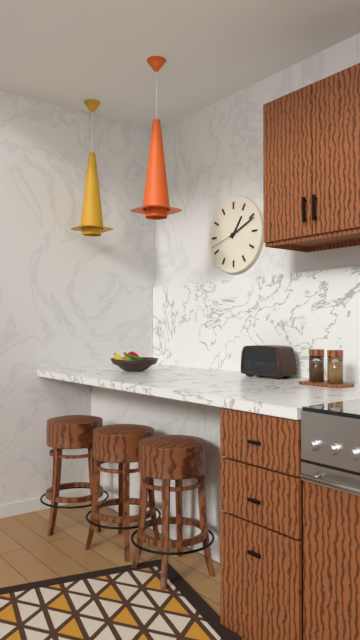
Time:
1.11
